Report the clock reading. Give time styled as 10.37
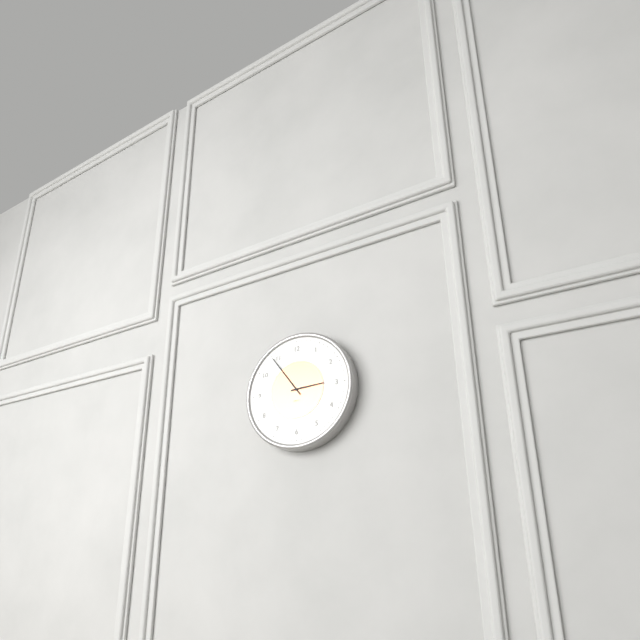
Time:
2.54
